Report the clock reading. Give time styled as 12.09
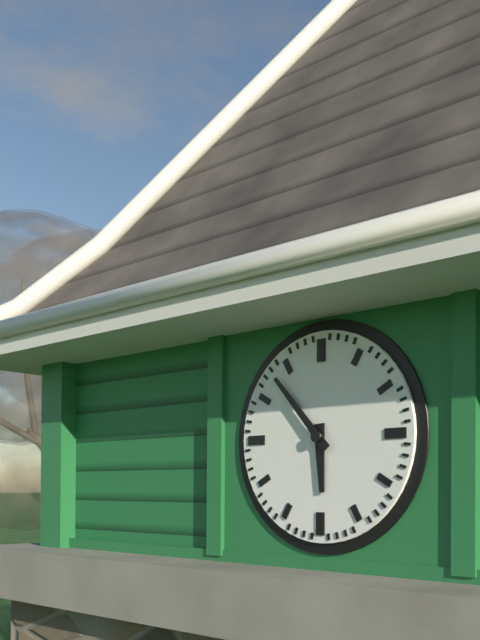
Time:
5.53
